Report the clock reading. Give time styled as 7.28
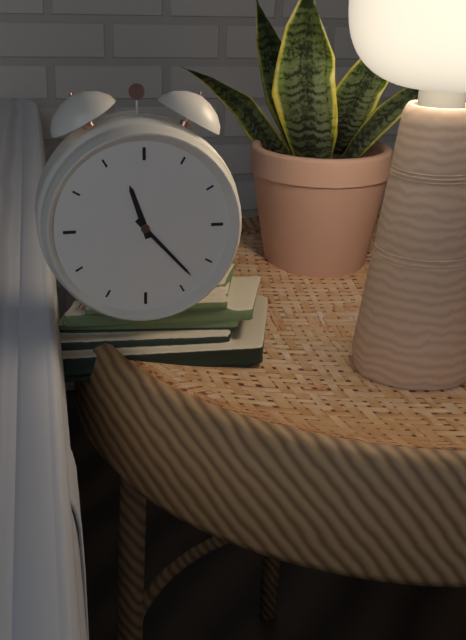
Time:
11.23
